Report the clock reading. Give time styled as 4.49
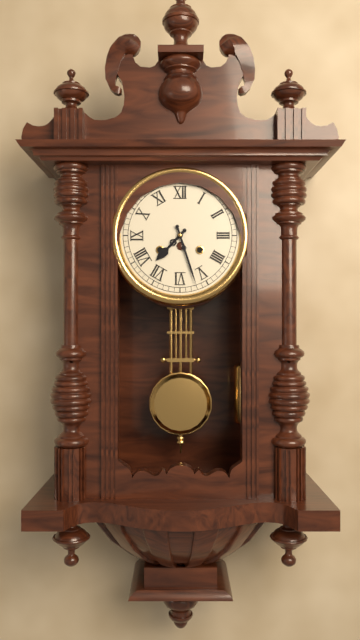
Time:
7.27
